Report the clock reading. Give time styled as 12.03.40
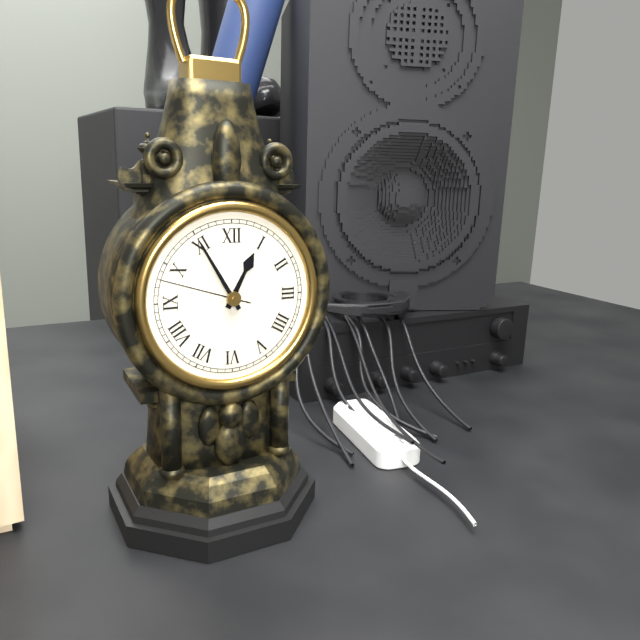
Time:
12.55.48
